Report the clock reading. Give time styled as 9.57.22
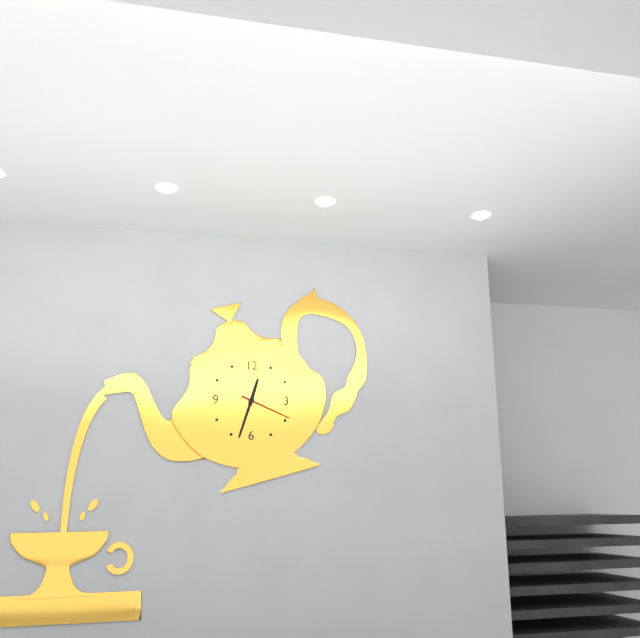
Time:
12.33.19
